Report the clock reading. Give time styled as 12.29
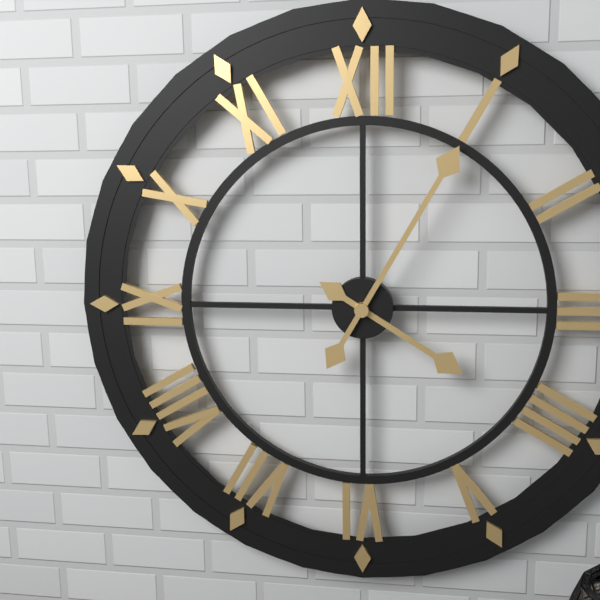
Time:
4.05
